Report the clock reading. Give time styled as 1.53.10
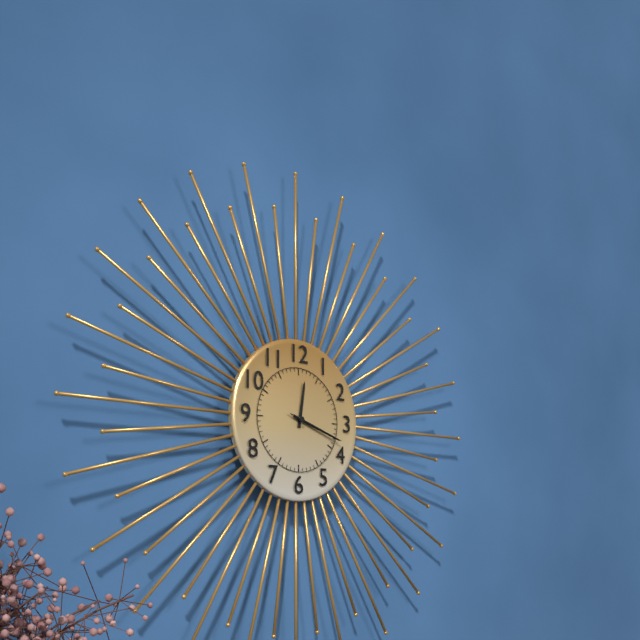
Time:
12.18.18
